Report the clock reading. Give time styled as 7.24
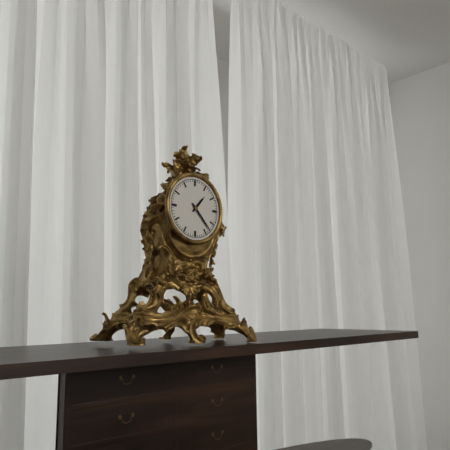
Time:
1.23
